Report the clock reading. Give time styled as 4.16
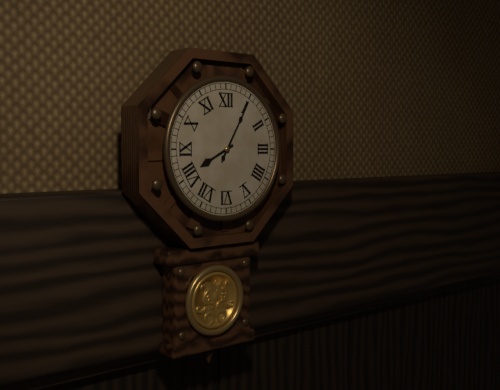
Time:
8.05
